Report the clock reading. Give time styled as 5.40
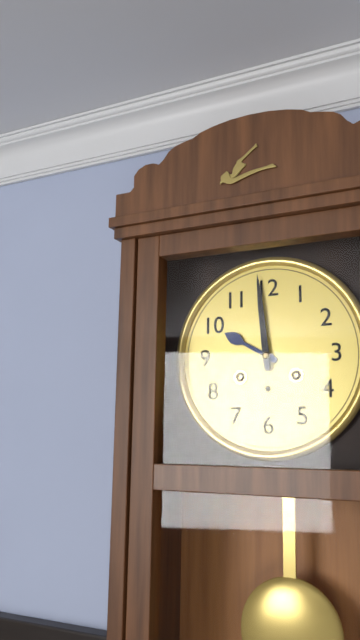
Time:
9.59
